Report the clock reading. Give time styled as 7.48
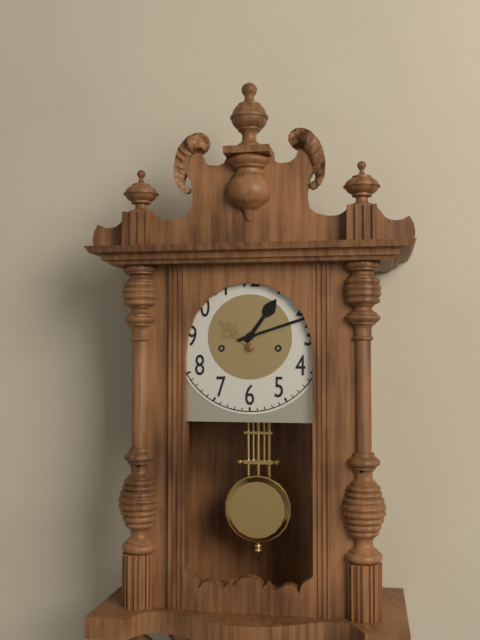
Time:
1.12
